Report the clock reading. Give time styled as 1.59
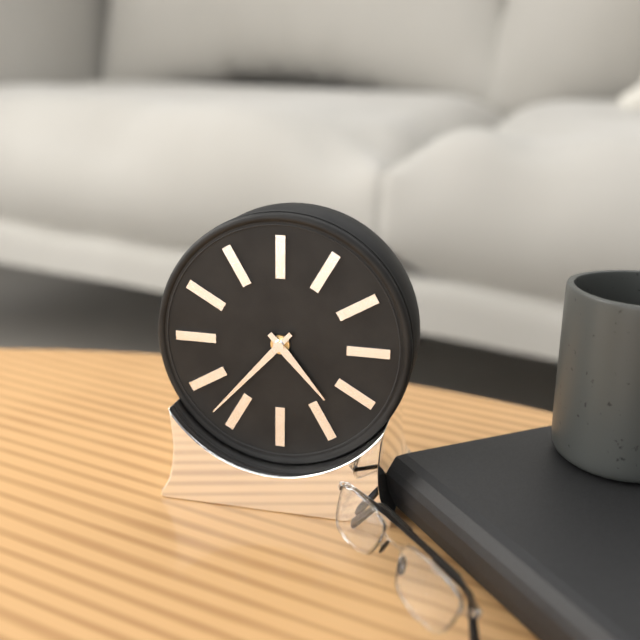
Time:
4.37
